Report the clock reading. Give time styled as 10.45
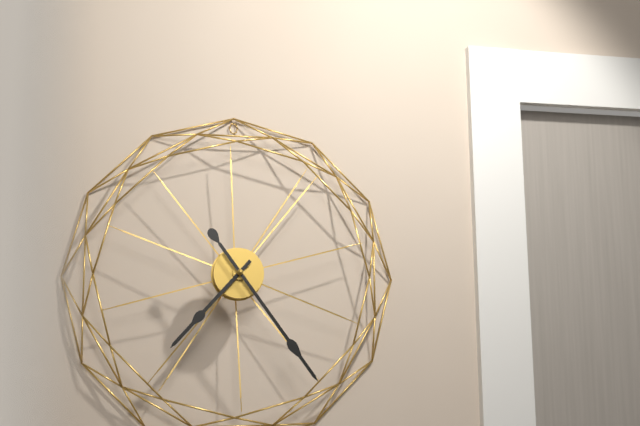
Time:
7.24
